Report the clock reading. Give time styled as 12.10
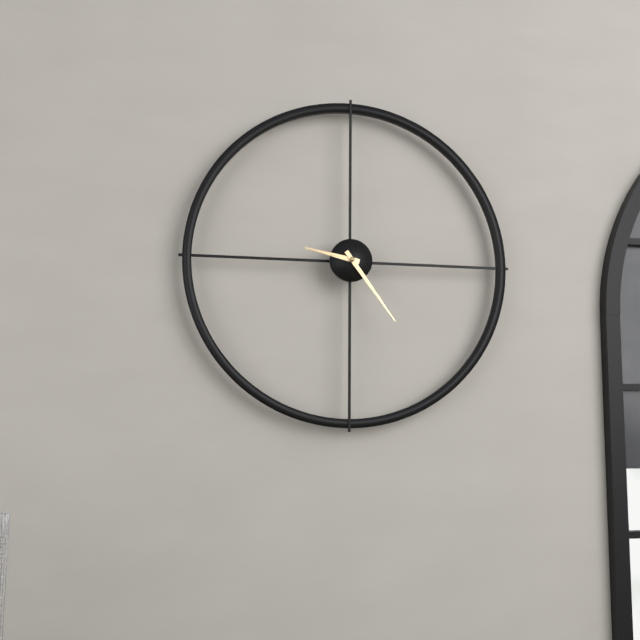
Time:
9.24
